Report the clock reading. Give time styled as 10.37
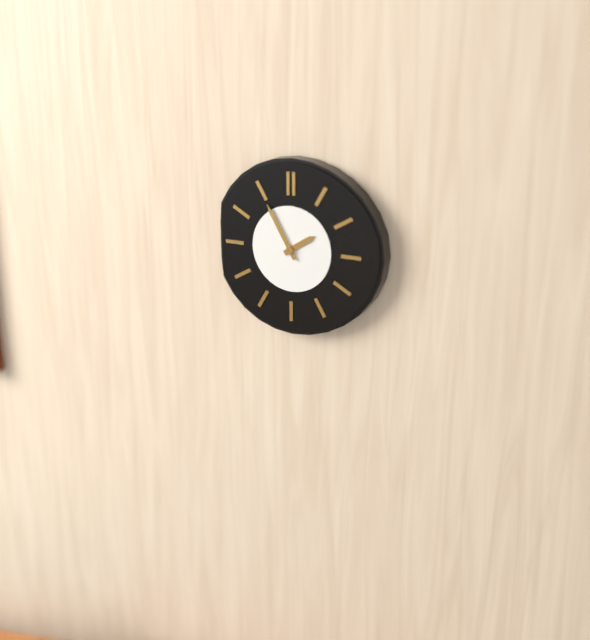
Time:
1.55
